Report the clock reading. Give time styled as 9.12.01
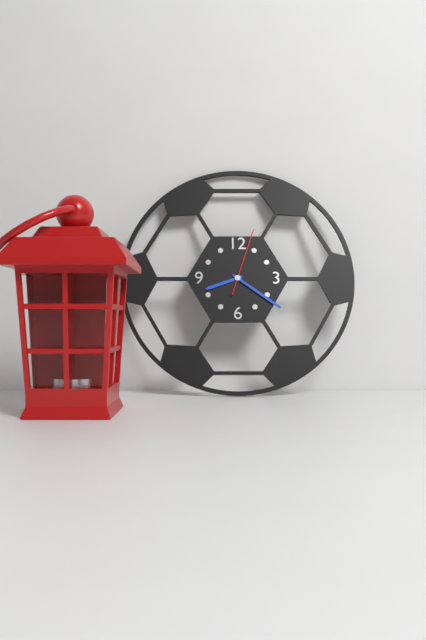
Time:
8.21.03
